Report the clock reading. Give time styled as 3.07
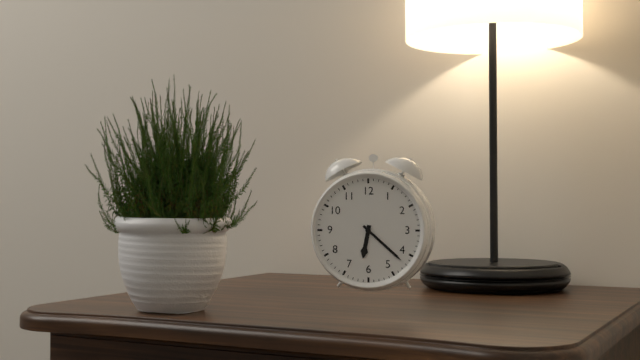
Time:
6.22
